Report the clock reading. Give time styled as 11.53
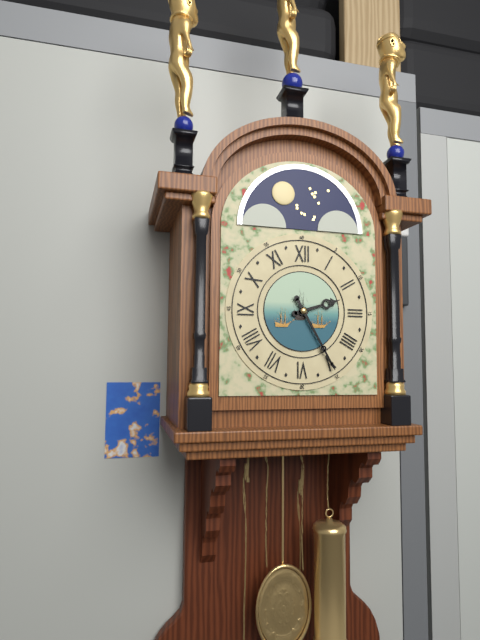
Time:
2.25
